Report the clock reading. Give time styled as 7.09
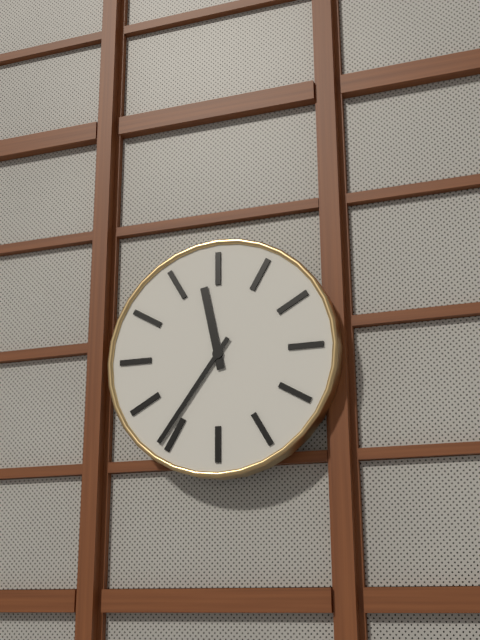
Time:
11.36
